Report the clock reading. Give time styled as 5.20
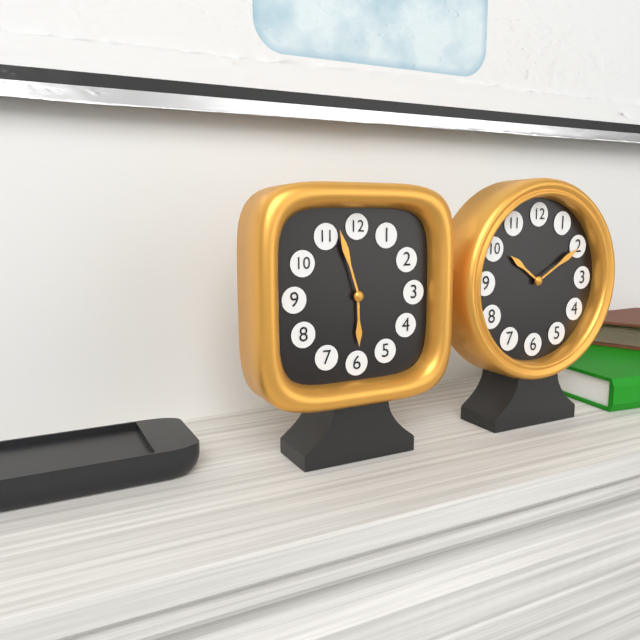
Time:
5.57
